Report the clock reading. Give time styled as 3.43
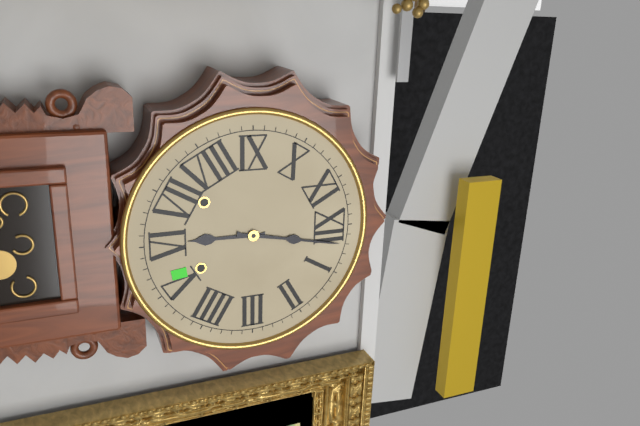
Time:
6.02
